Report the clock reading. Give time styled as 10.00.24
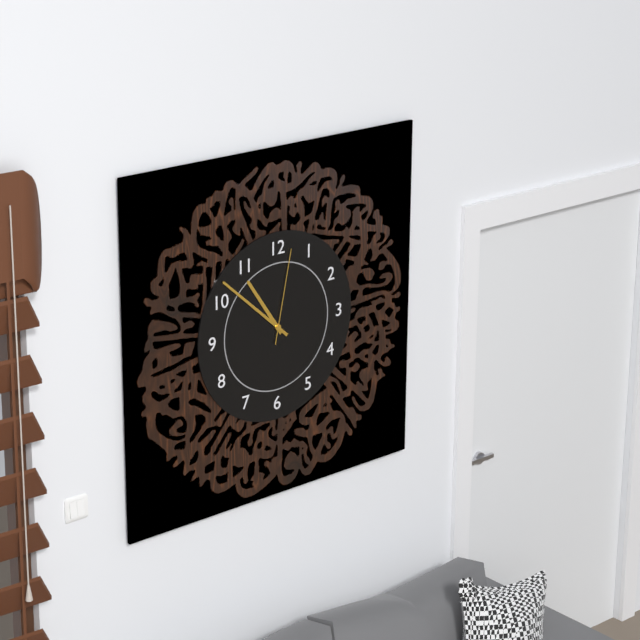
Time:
10.52.02
